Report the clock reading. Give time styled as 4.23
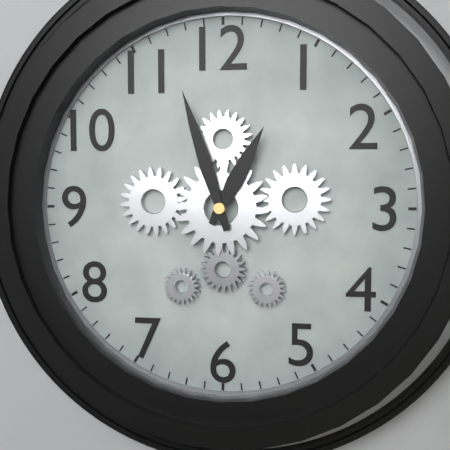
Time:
12.57
